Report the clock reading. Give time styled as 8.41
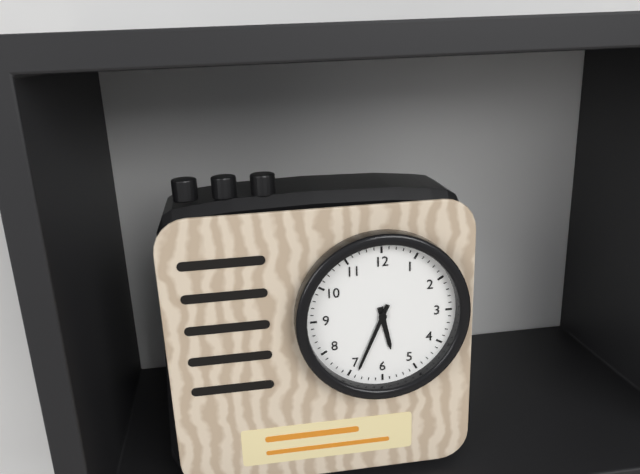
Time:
5.34
